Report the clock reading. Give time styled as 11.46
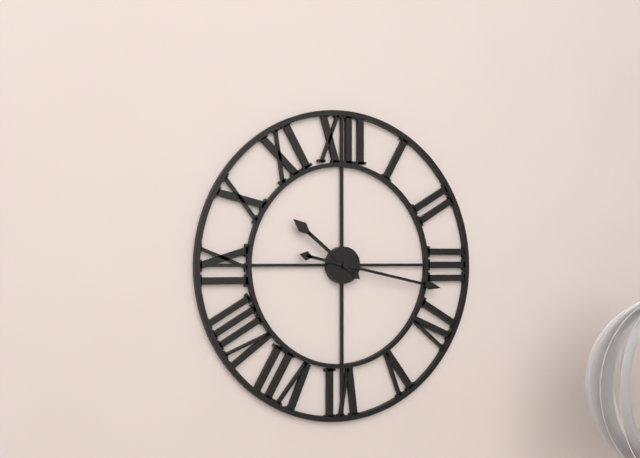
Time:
10.17
